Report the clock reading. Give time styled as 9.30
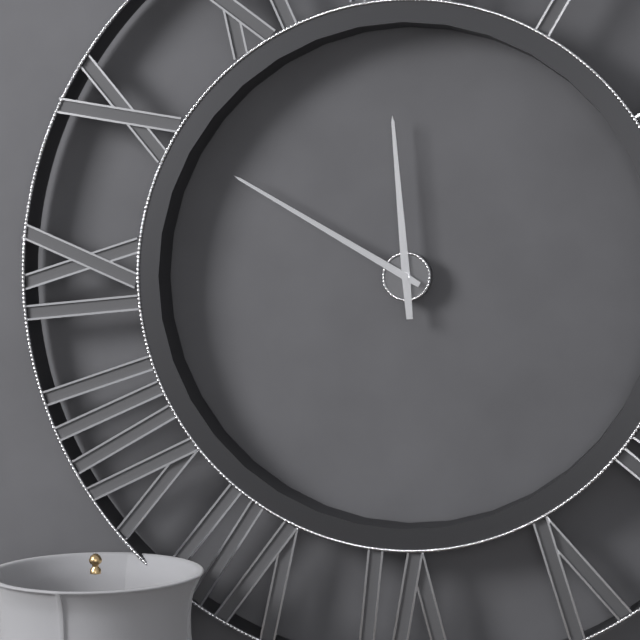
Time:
11.50
